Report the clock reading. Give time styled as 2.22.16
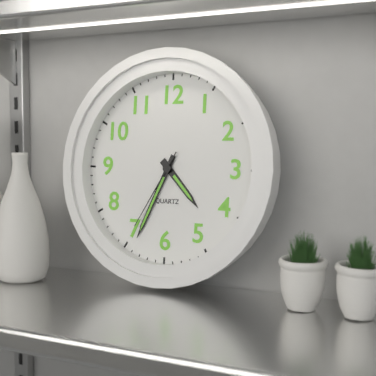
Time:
4.34.35
